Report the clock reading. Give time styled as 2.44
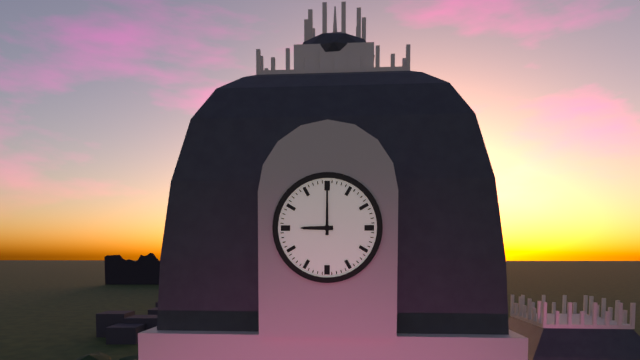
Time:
9.00
